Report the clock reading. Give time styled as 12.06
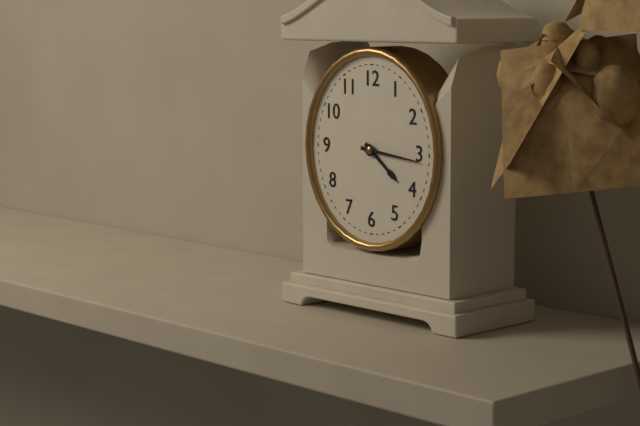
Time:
4.16
